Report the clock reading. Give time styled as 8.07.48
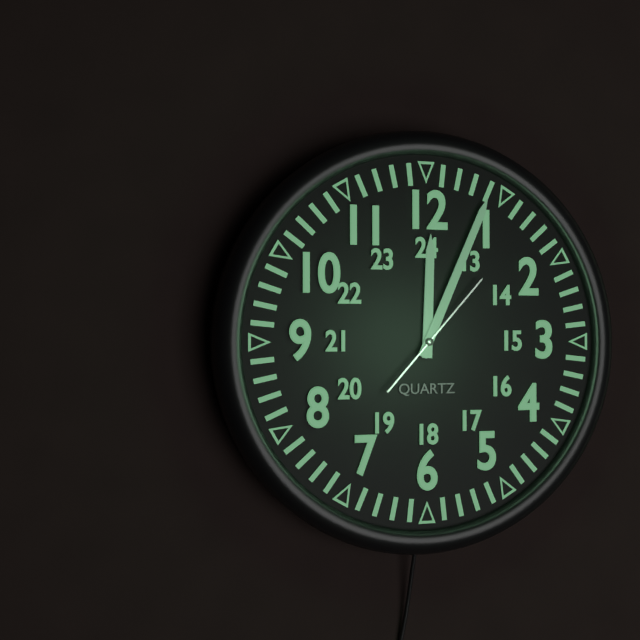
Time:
12.04.07
